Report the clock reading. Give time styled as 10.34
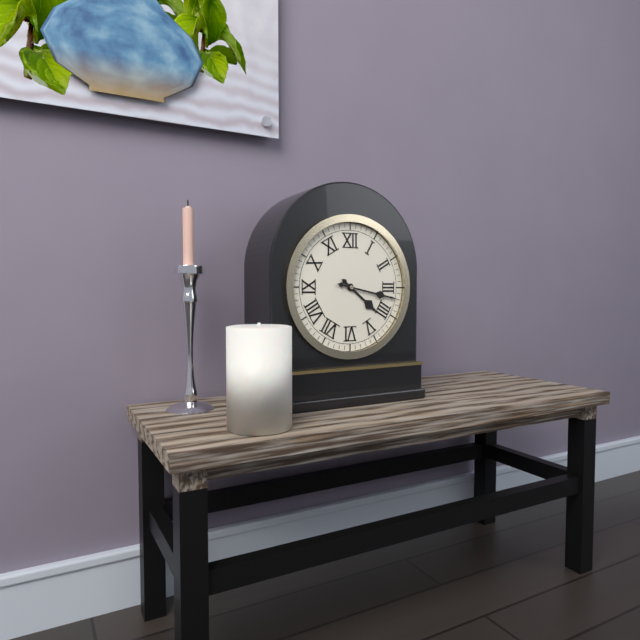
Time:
4.17
